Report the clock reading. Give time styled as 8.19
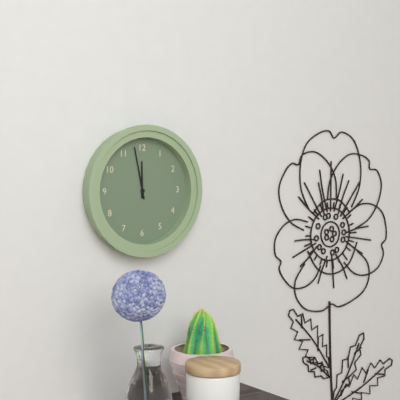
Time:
11.58
